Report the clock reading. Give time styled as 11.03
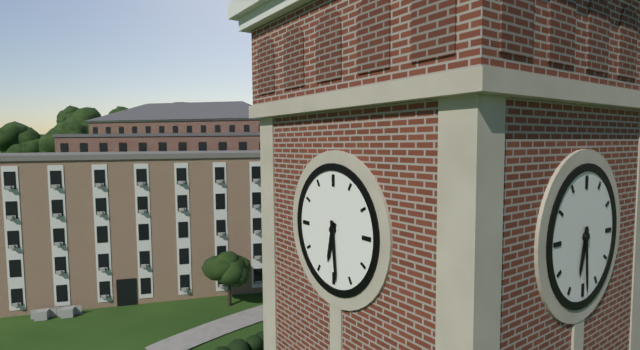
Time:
6.29
